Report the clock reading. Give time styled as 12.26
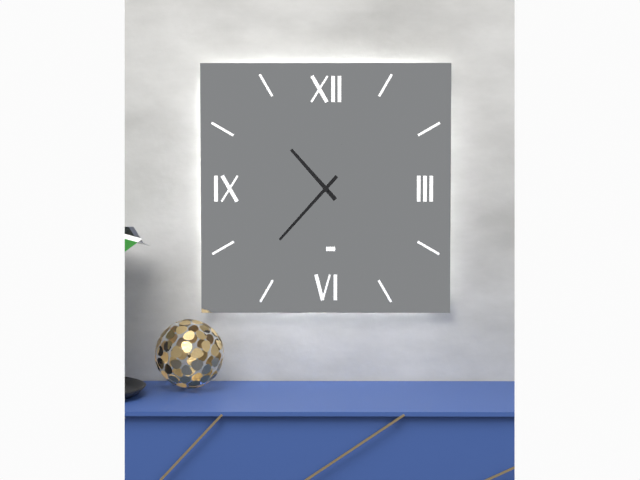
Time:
10.37
